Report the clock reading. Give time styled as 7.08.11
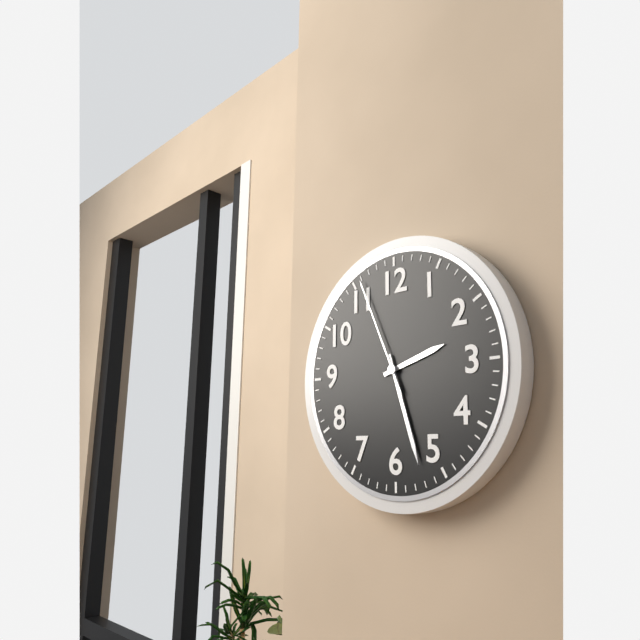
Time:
2.27.56
